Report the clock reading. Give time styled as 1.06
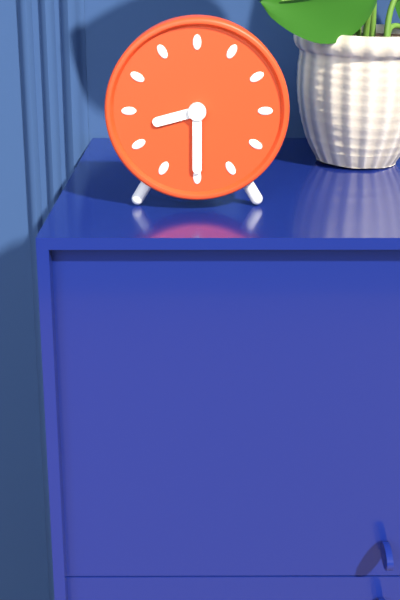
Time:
8.30
